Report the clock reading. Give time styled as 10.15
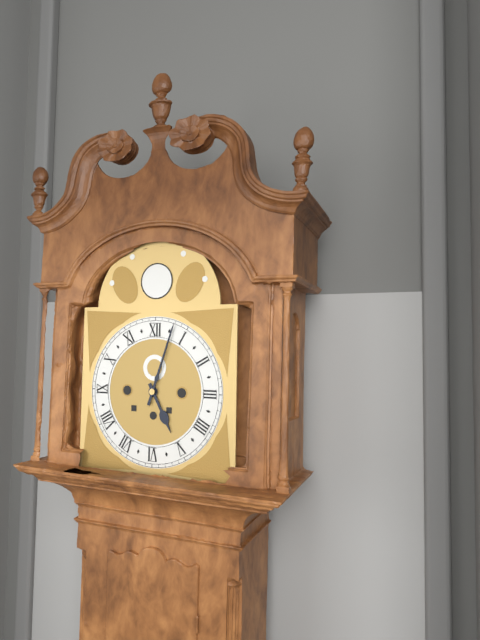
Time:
5.03
